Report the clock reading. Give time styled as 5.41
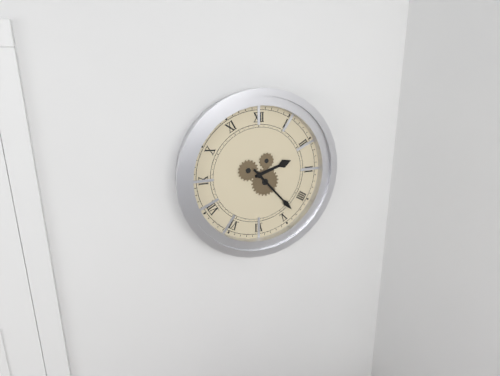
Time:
2.23
